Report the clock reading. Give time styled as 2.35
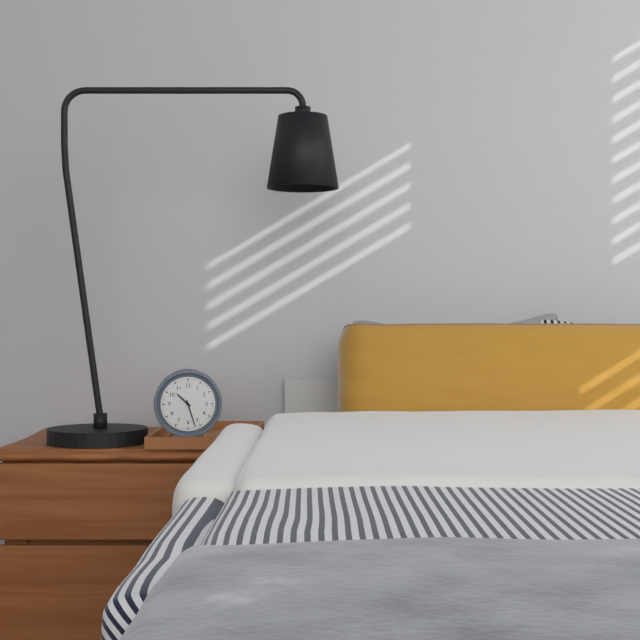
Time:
10.27
